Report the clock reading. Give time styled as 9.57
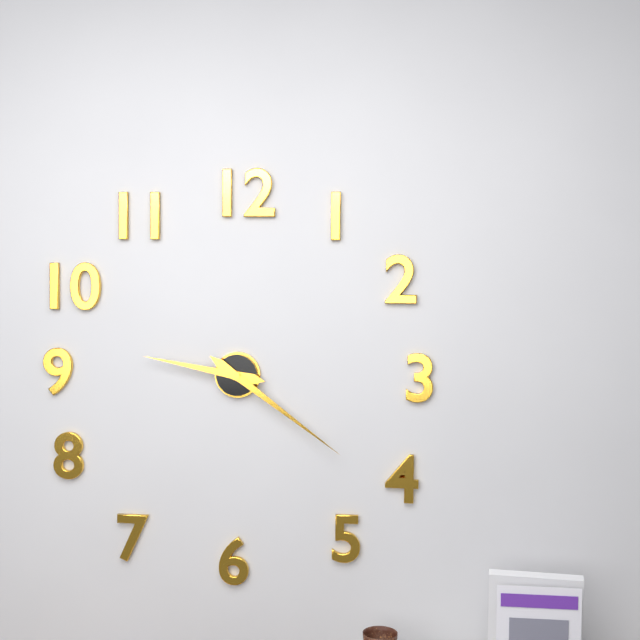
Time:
9.21
